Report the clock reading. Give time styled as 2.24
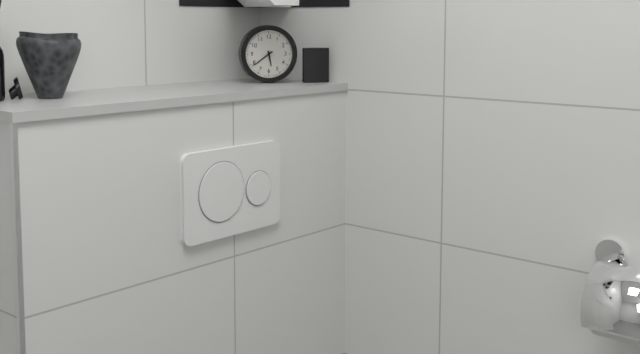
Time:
5.39
